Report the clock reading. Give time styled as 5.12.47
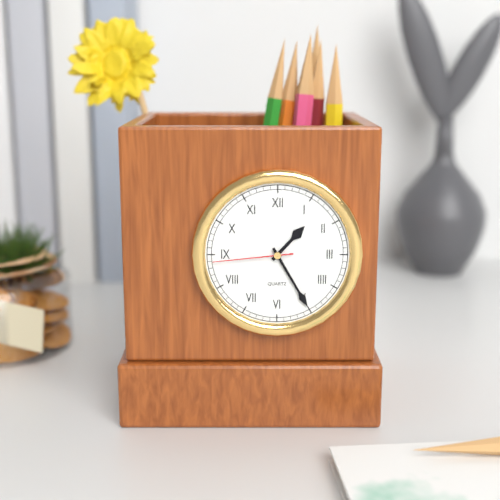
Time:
1.25.44
